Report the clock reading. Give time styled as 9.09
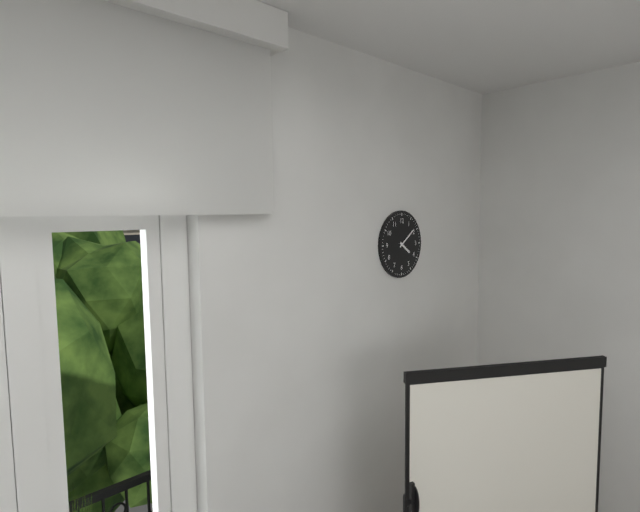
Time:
4.09
